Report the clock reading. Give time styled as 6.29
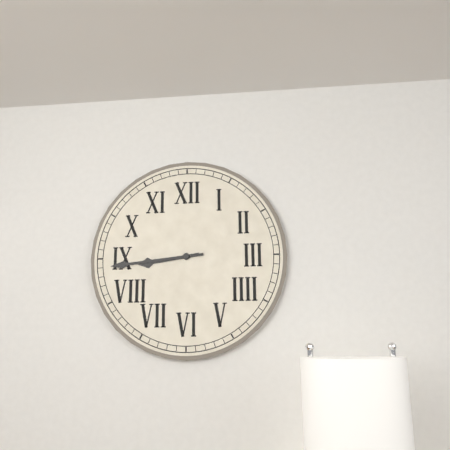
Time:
8.44
